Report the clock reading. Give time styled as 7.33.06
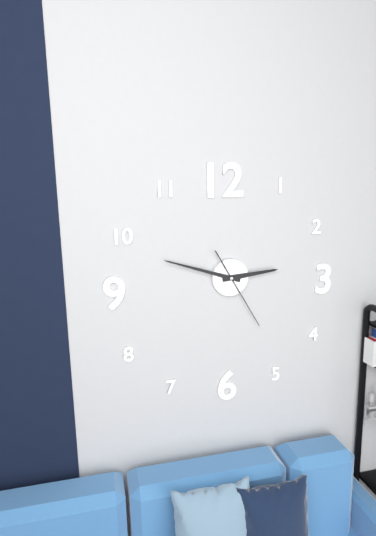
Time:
2.48.25
